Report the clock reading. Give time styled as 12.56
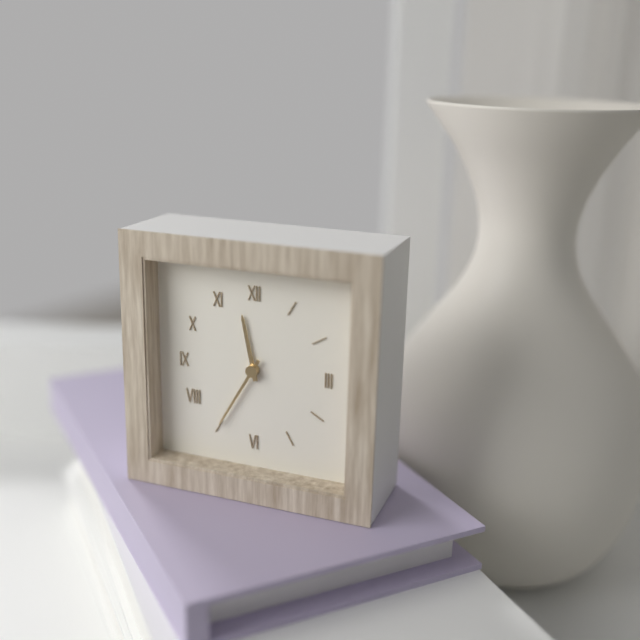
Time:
11.35
